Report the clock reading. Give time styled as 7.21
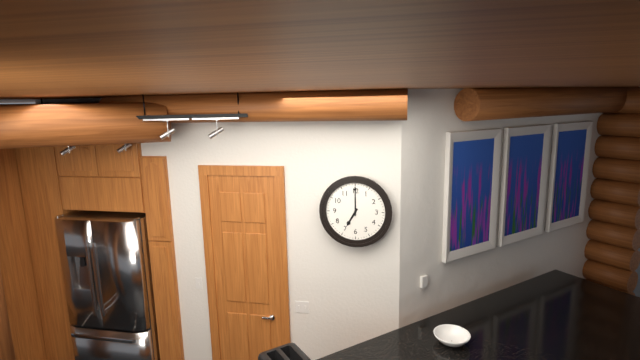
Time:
7.00
